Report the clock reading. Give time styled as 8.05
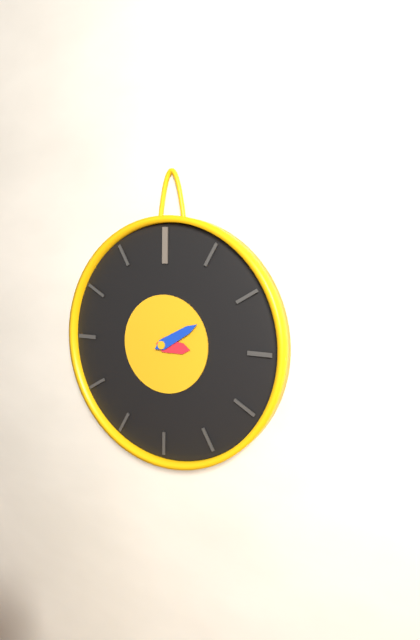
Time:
3.10
